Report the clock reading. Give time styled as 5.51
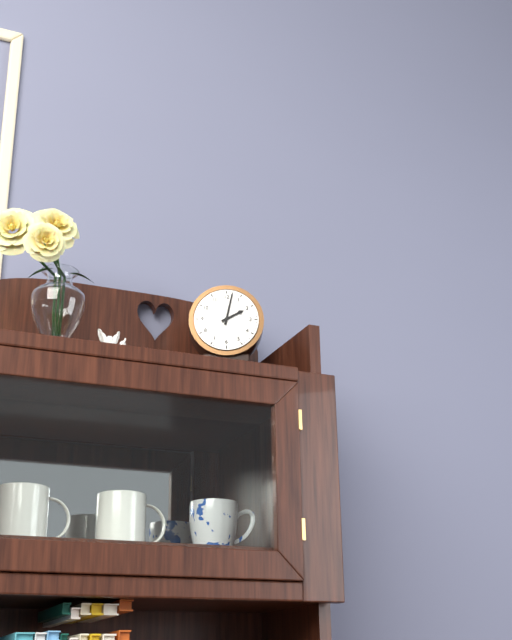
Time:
2.02
